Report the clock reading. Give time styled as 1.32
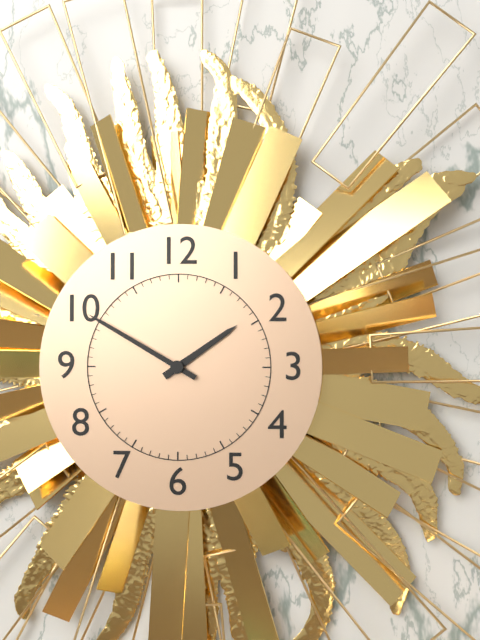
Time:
1.50
